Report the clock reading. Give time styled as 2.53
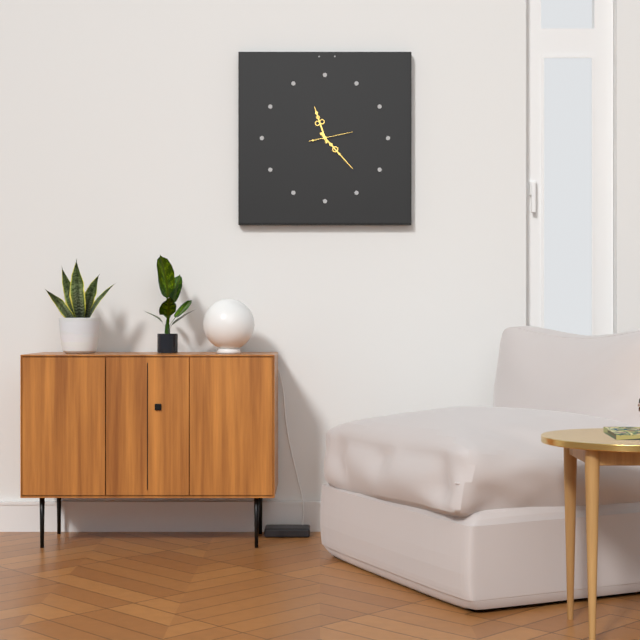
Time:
11.23
